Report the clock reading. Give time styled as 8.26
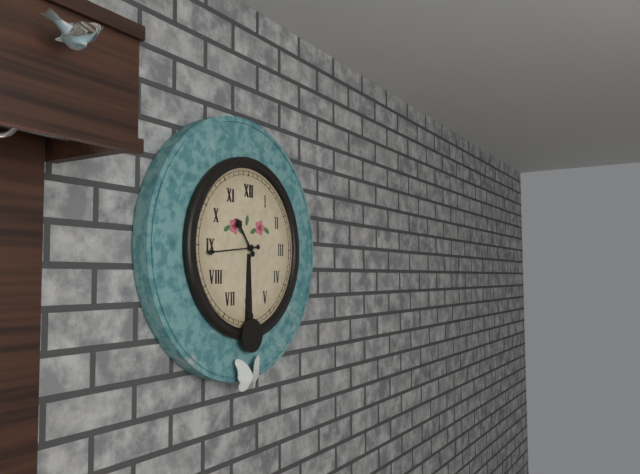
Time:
10.44
